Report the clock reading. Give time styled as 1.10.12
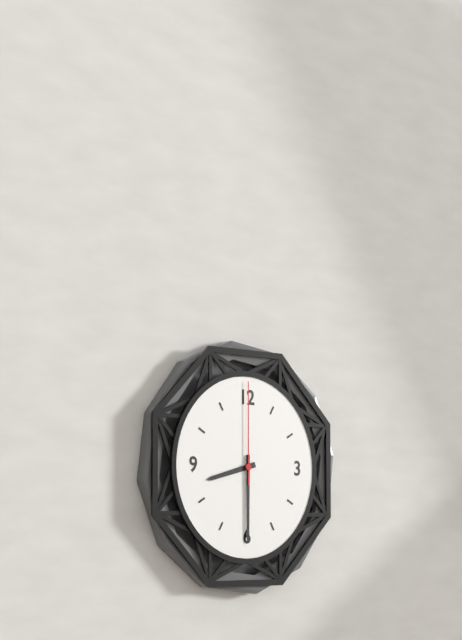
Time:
8.30.00
